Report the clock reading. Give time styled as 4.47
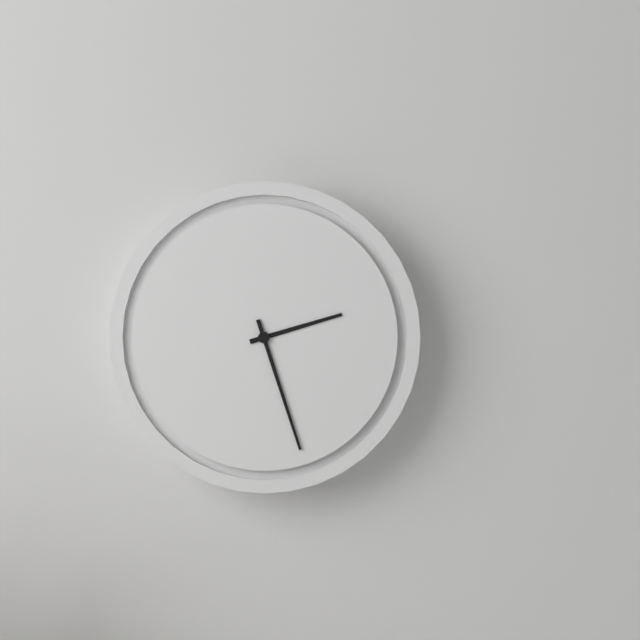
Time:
2.27
